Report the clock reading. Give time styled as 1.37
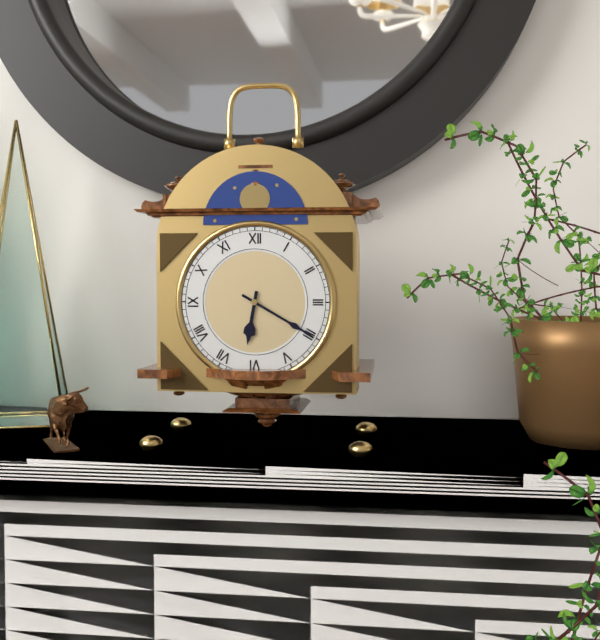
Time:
6.20
